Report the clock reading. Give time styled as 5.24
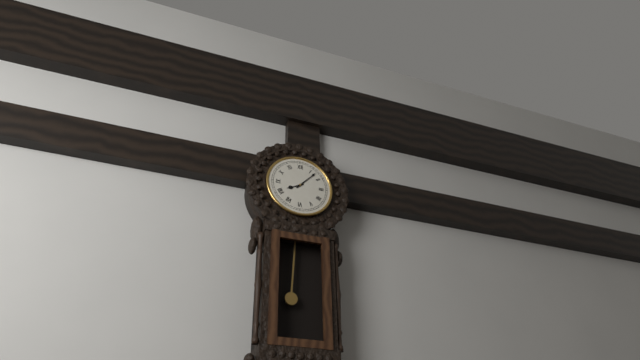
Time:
8.07
